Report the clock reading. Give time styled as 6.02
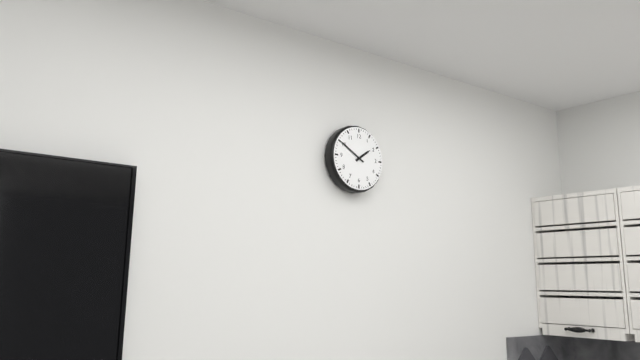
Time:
1.50
